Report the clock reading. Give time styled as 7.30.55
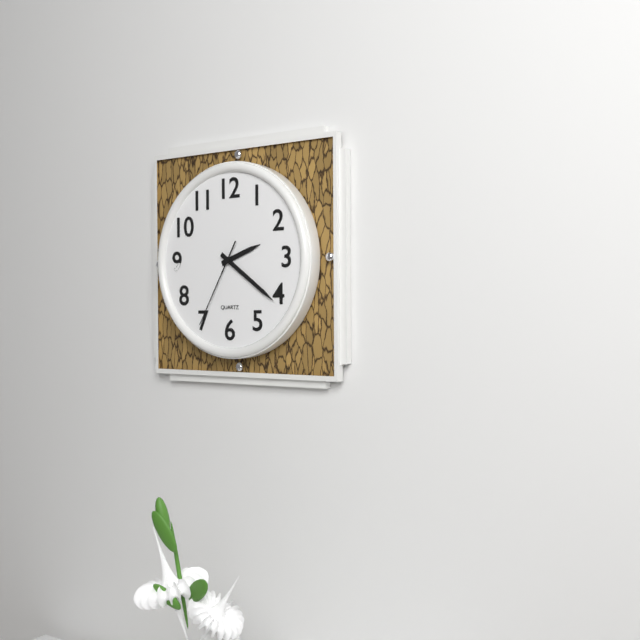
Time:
2.21.35
